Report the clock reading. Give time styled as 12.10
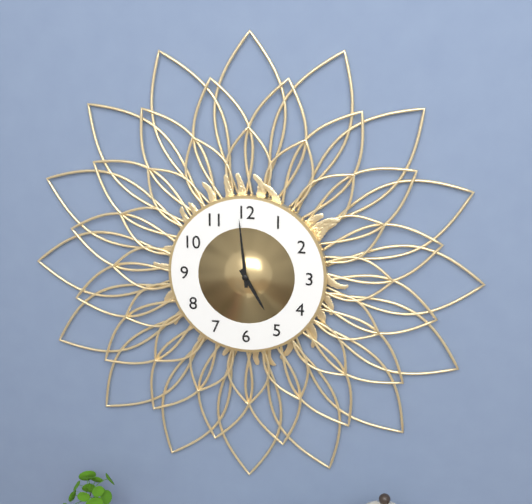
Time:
4.59
